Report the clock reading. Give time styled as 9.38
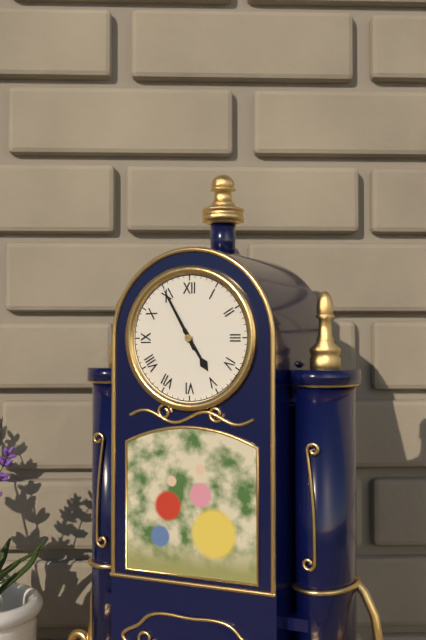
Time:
4.55
